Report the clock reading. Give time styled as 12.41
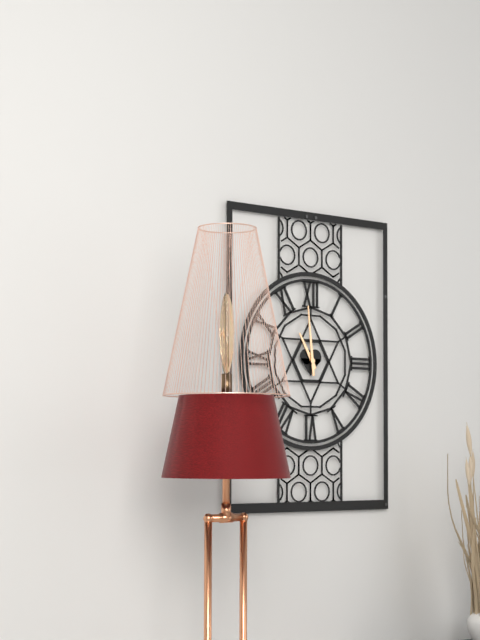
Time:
10.59
